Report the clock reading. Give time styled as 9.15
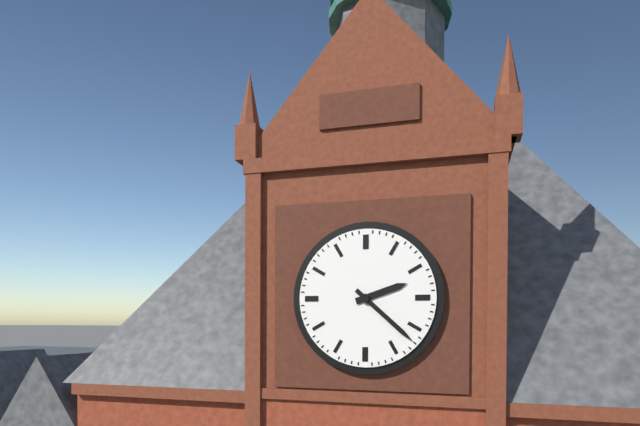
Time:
2.22
